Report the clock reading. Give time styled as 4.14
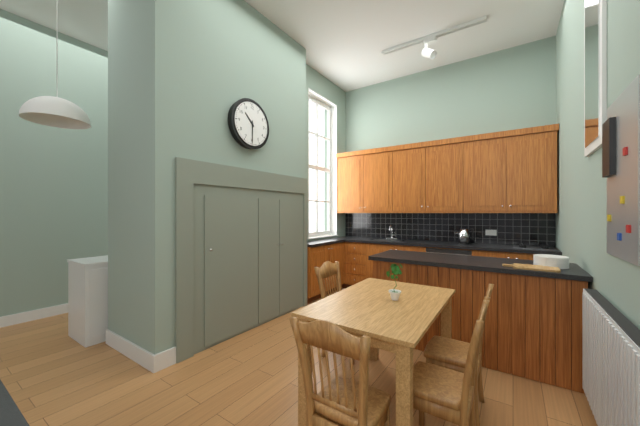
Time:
10.30
